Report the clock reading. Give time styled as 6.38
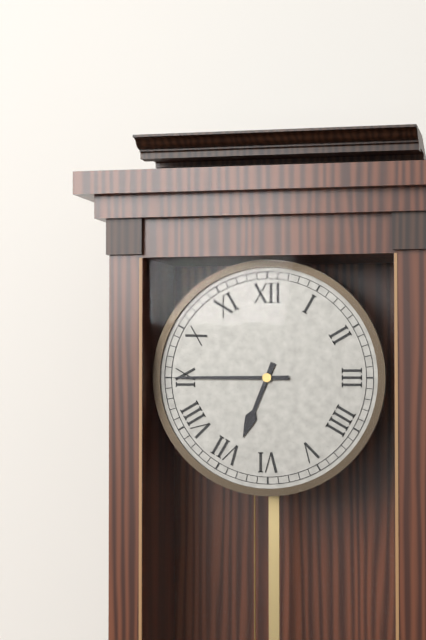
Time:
6.45
